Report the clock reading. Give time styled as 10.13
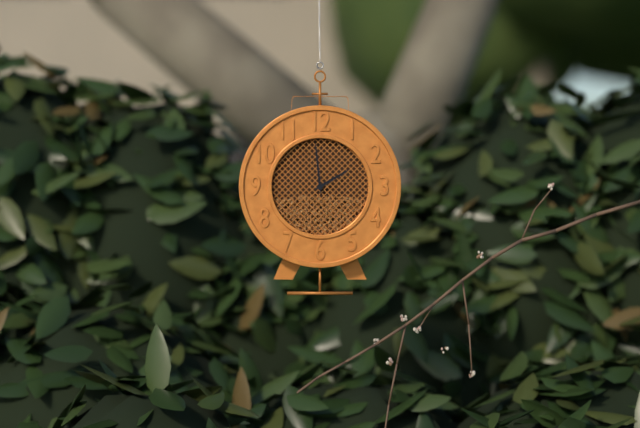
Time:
1.59
